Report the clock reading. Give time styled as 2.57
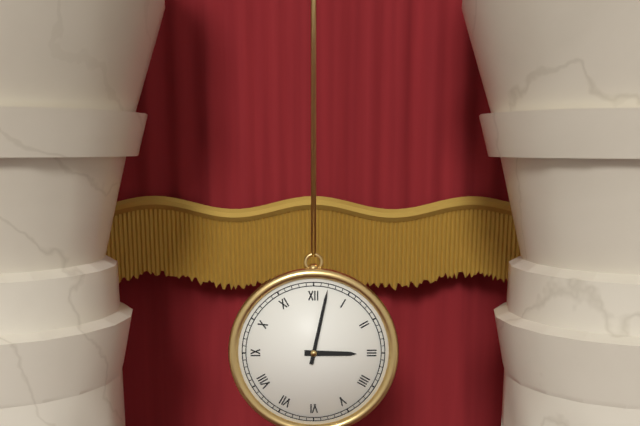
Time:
3.02
